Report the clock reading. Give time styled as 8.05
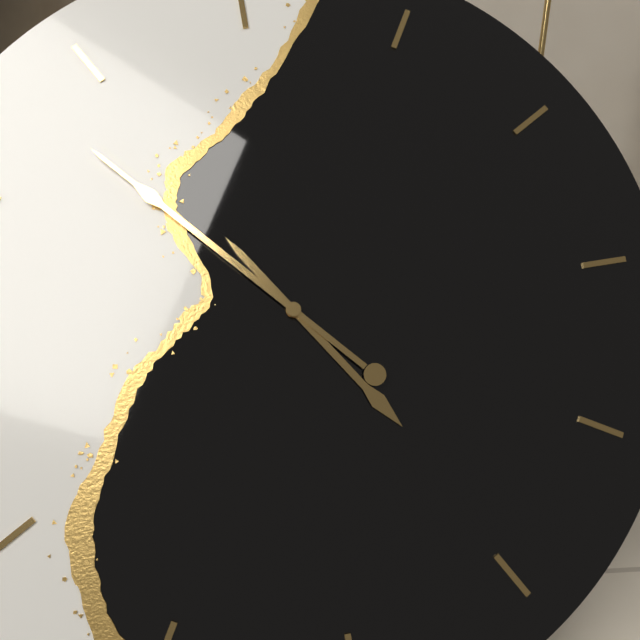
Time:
4.53
